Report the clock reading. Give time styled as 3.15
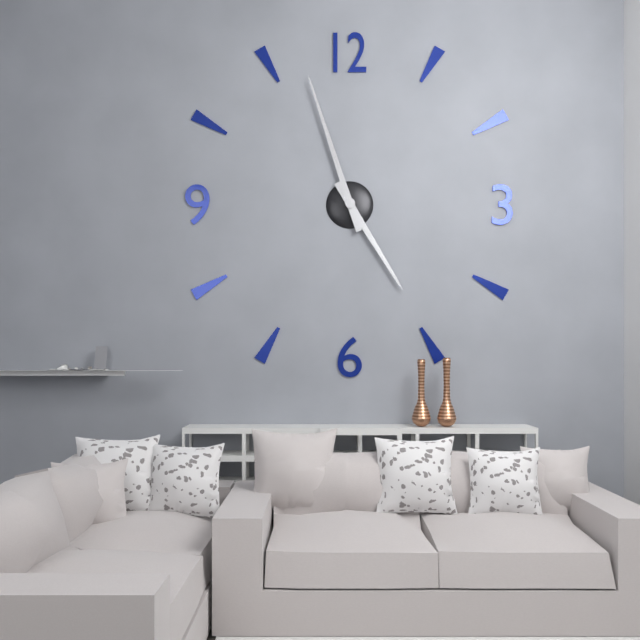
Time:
4.57
